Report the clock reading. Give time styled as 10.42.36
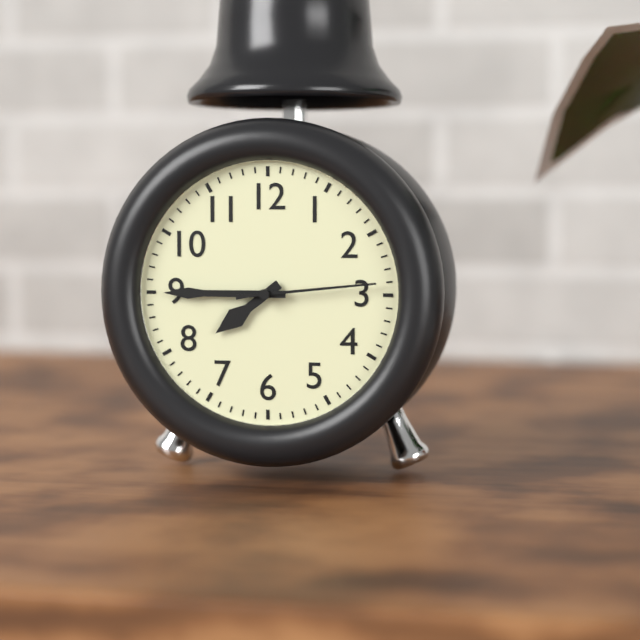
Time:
7.45.14
